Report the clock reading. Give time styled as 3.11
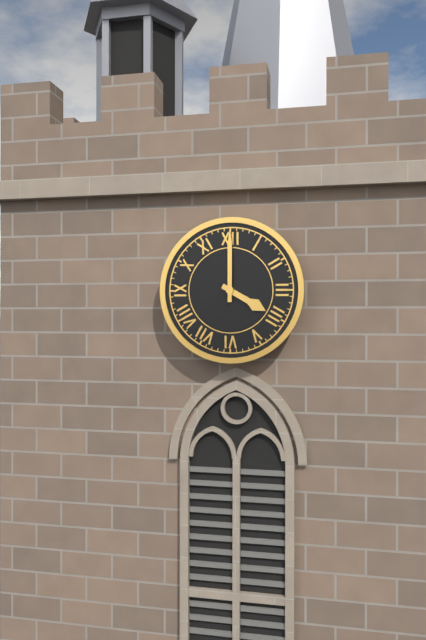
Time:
4.00
